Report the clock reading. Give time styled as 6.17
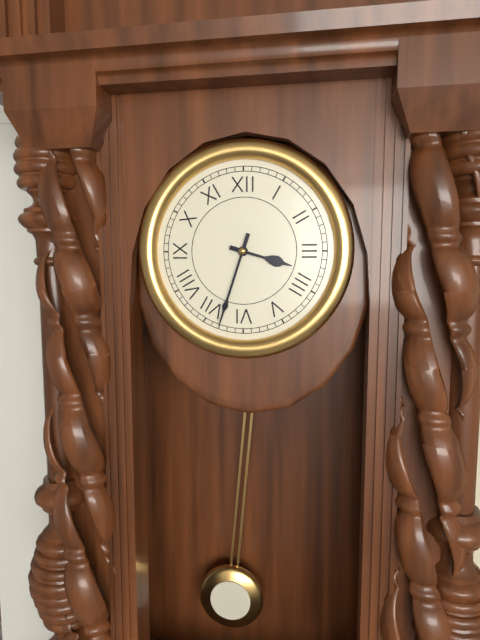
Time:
3.33
